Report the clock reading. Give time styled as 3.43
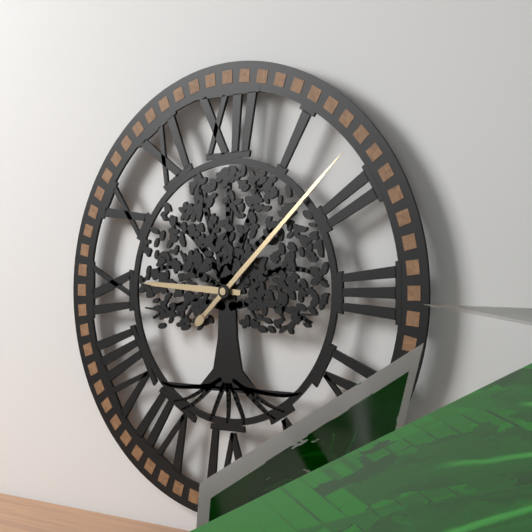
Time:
9.08
